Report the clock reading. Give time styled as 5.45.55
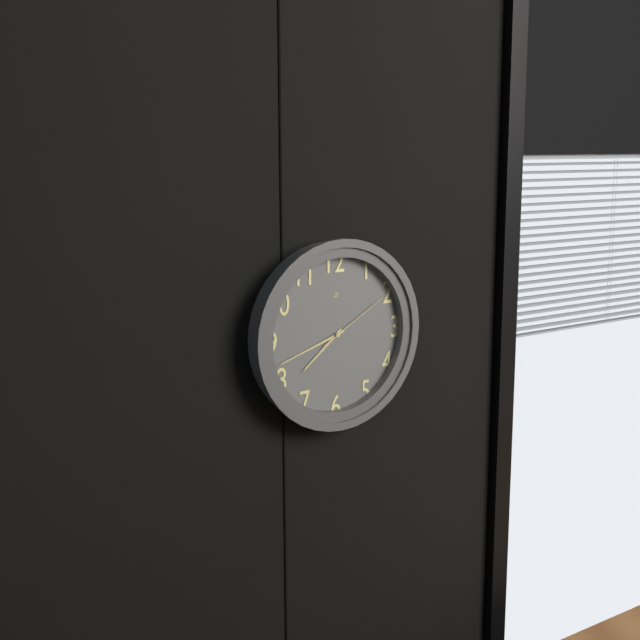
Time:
7.42.10
